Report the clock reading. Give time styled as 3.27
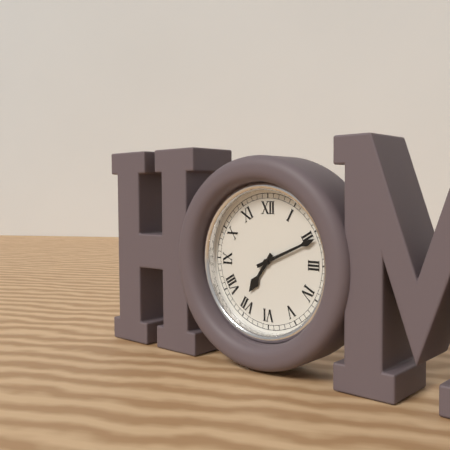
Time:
7.11
